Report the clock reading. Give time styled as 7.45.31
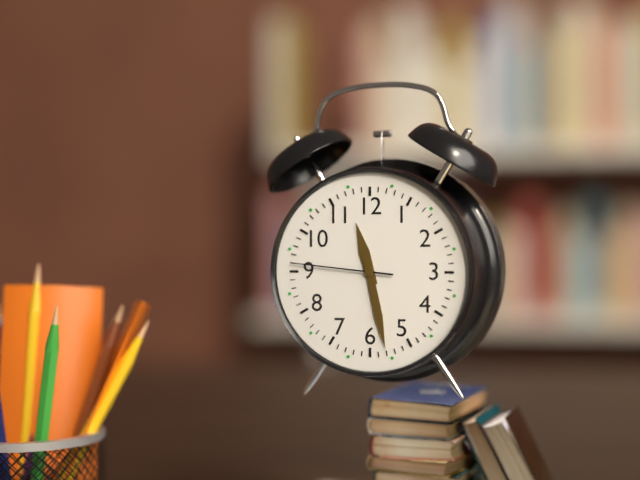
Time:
11.28.46
